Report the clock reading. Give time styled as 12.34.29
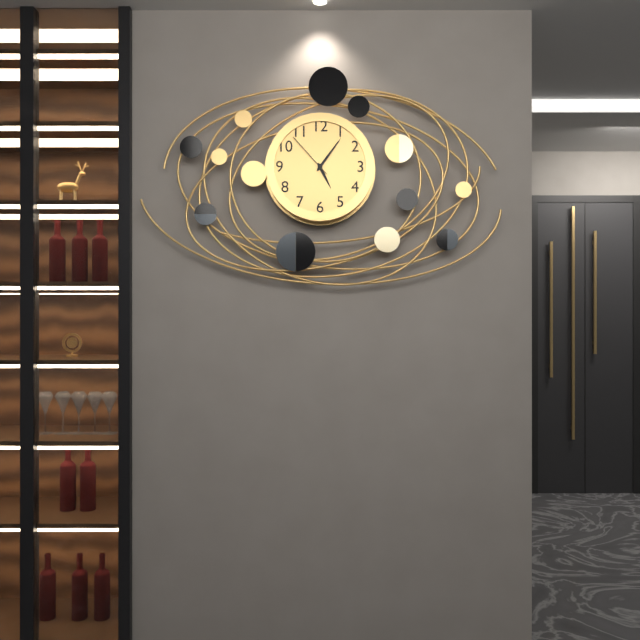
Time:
5.06.53
